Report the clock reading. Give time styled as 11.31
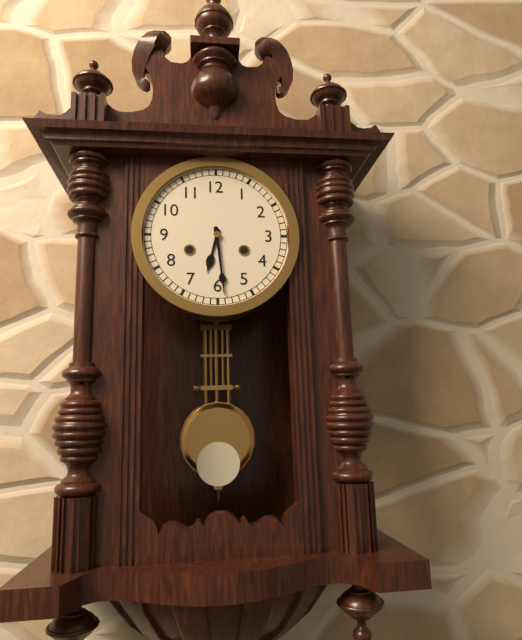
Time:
6.29
